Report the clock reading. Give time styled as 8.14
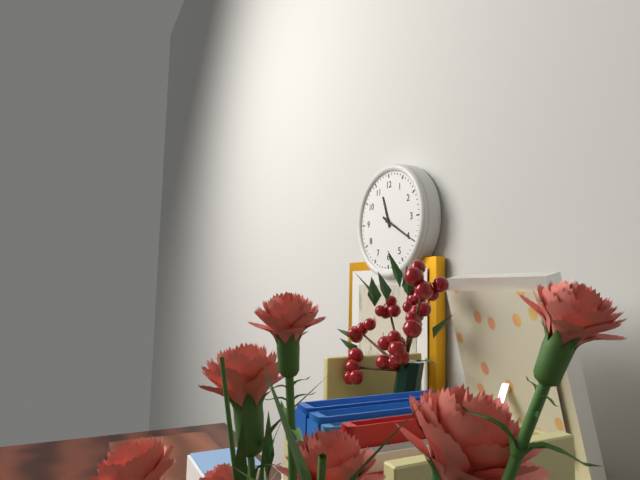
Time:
11.20
